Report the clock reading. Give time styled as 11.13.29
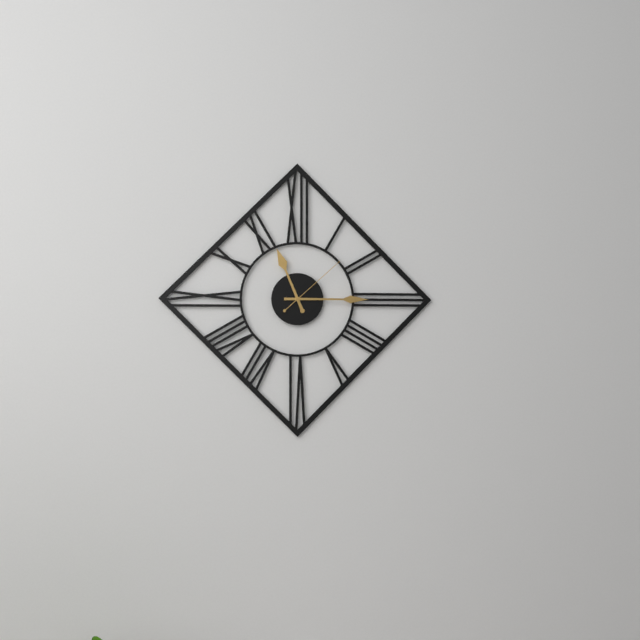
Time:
11.15.08
